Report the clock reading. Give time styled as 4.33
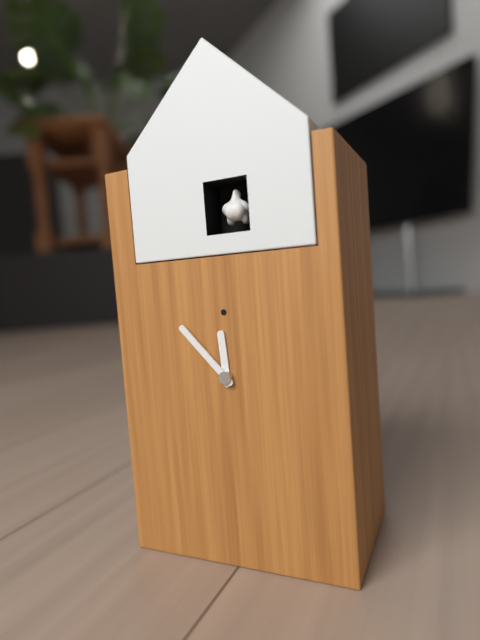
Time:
11.53
